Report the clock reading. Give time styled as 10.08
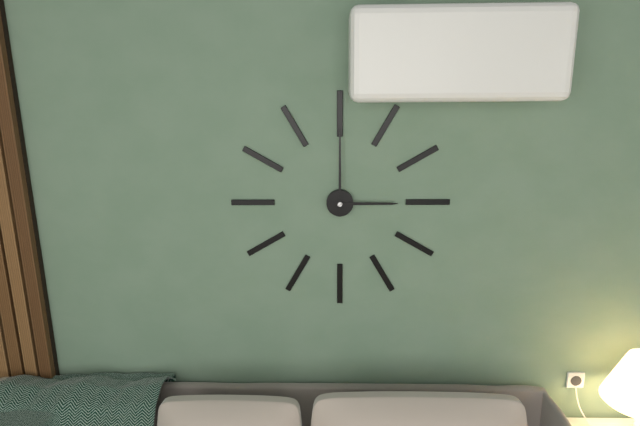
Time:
3.00
